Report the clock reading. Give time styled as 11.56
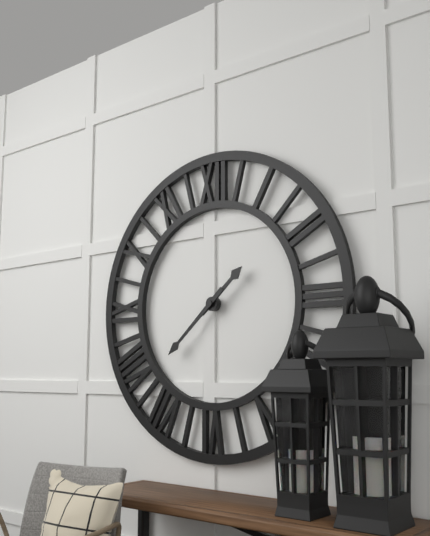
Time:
1.38
